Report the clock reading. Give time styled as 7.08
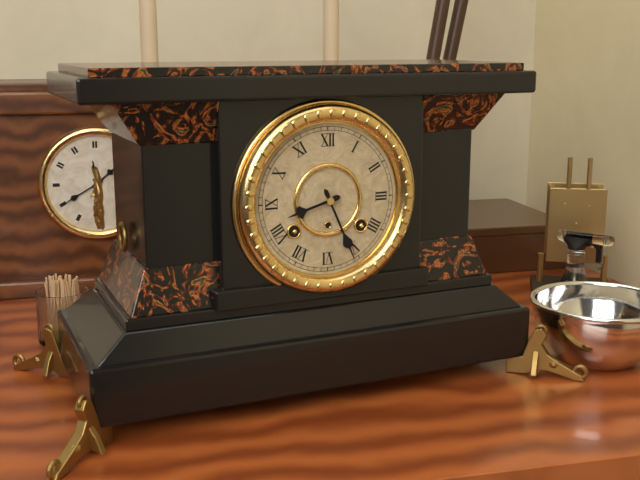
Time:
8.26
